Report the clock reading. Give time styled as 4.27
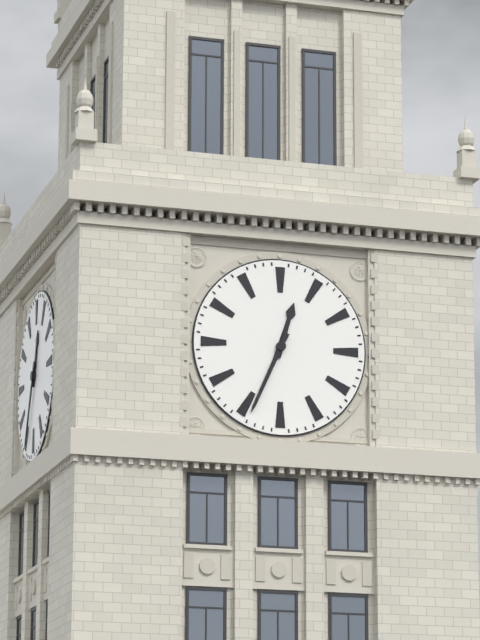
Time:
12.34
